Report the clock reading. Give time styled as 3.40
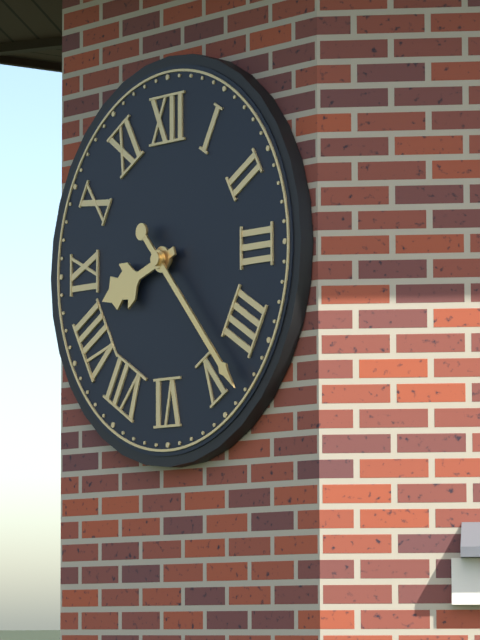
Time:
8.23
